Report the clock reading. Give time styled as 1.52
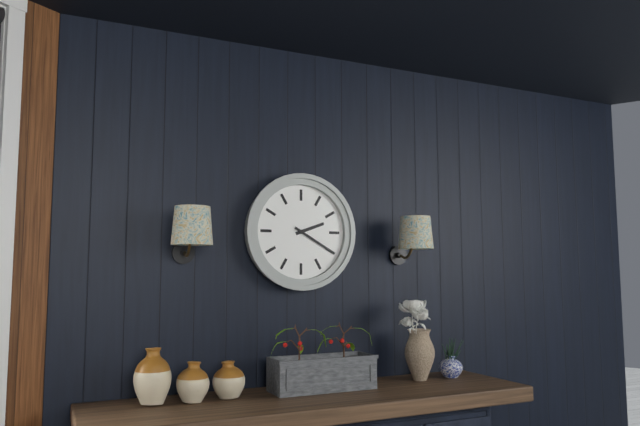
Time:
2.20
